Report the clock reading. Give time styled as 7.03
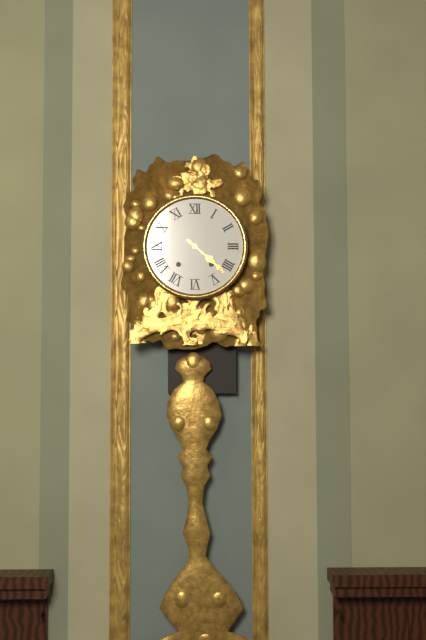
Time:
4.22
